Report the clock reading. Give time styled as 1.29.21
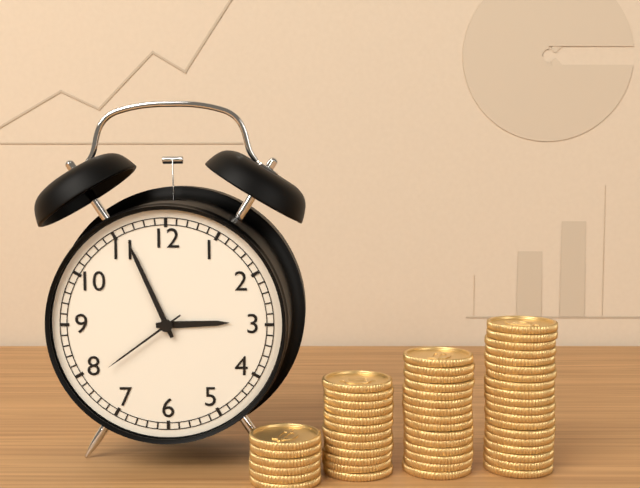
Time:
2.56.39
